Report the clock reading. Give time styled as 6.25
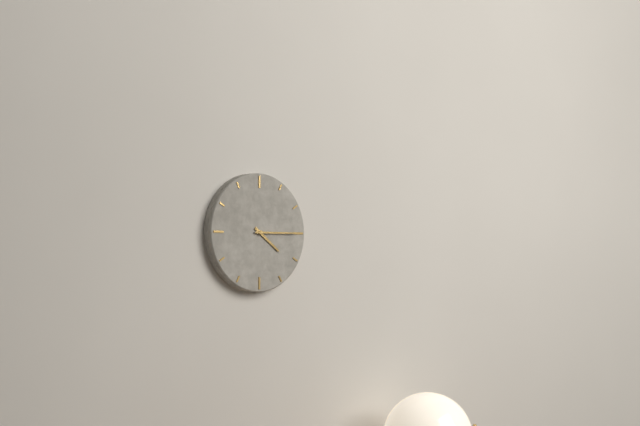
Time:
4.15
